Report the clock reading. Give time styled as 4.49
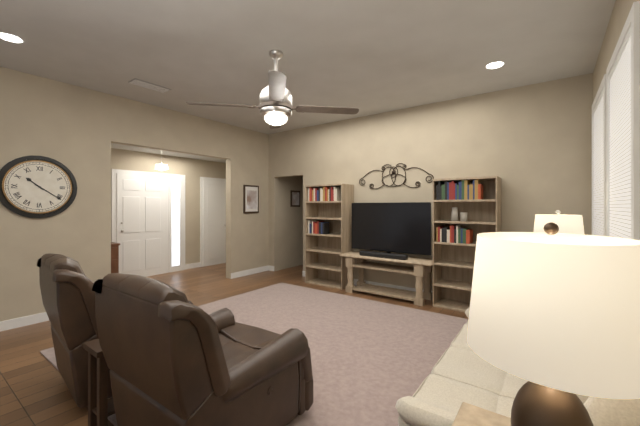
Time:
10.21
